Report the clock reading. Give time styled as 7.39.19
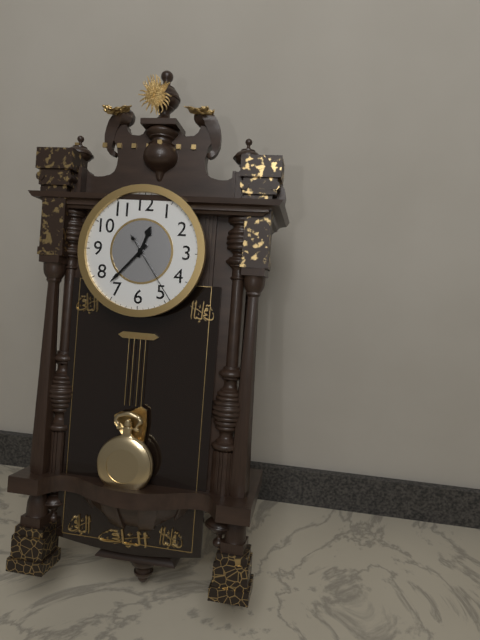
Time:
12.37.24
